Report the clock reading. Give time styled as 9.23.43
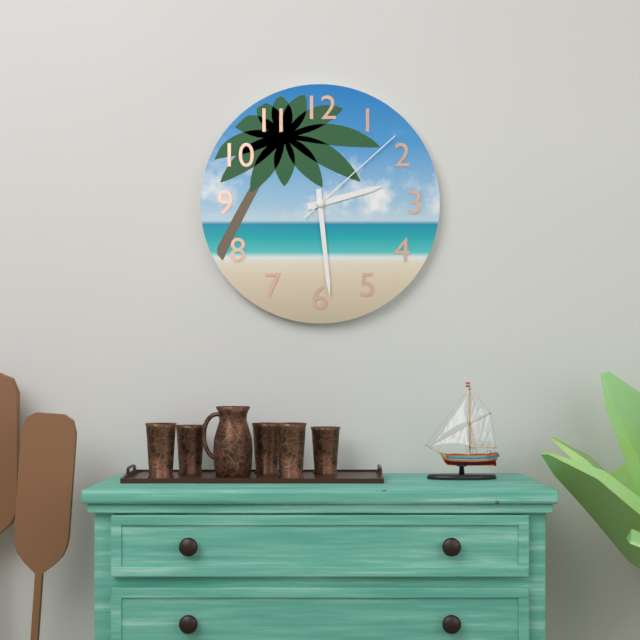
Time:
2.29.08
